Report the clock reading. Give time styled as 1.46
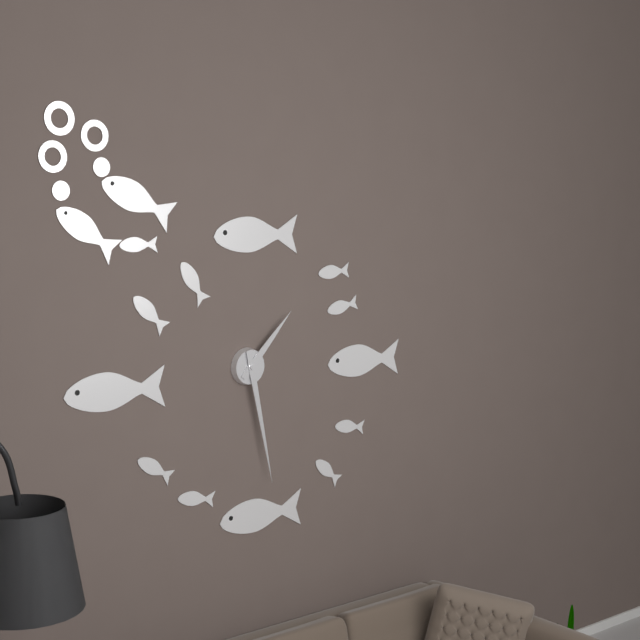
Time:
1.28
